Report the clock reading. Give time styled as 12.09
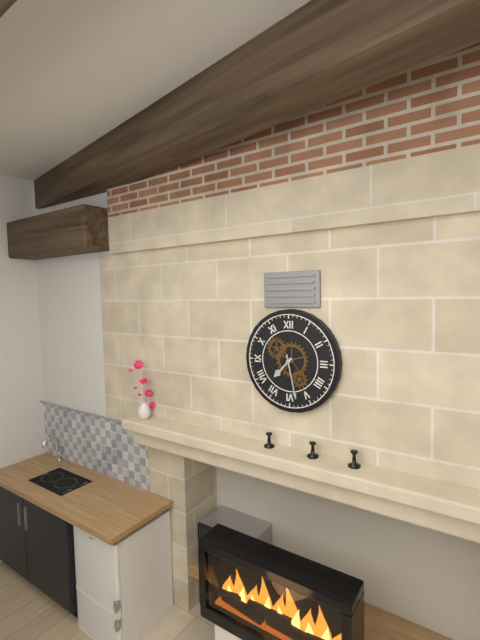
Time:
7.28
